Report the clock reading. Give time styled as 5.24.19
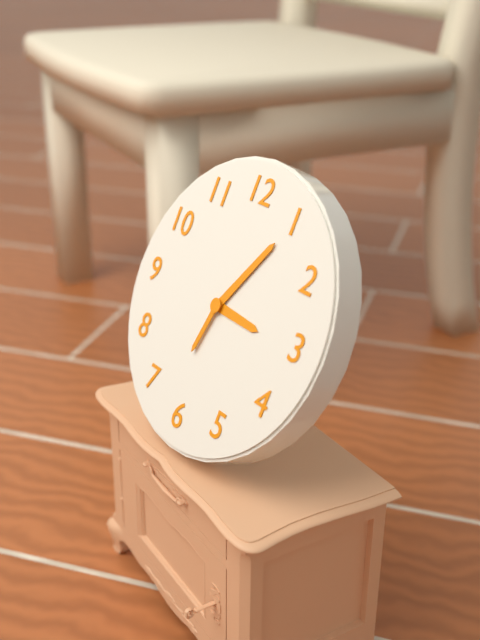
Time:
3.05.32
